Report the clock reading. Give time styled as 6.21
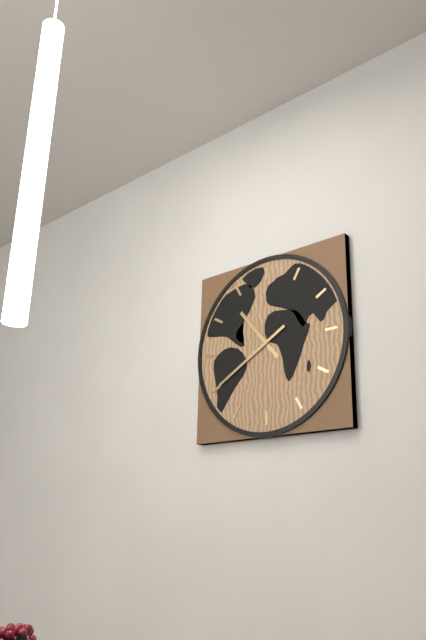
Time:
10.40
